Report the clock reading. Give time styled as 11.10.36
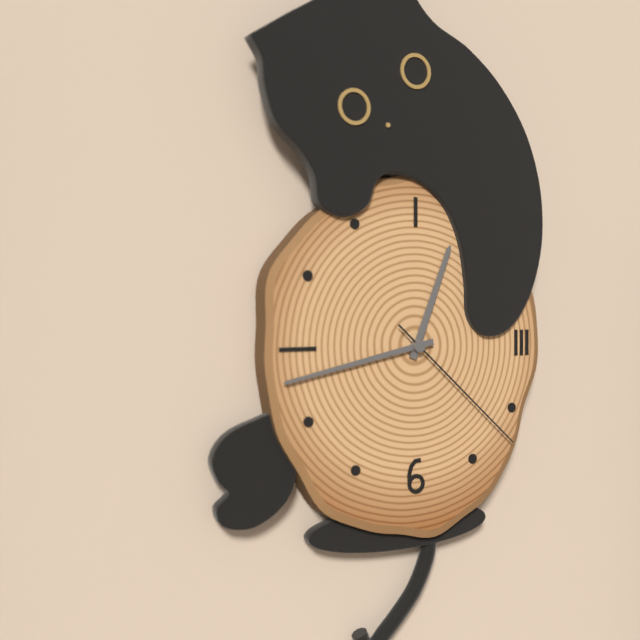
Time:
12.43.22
